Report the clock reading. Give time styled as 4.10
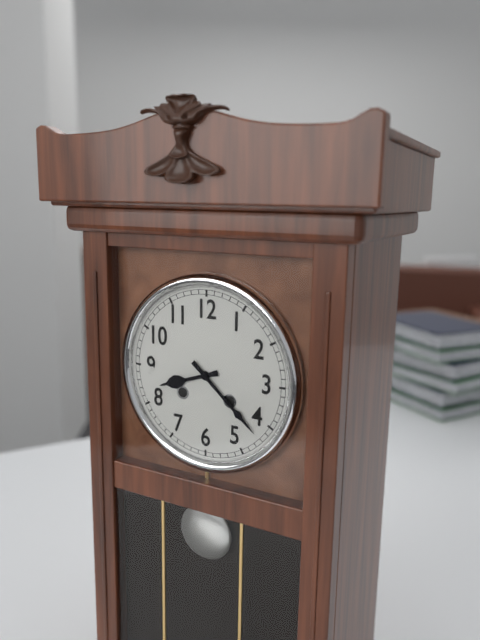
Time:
8.22
